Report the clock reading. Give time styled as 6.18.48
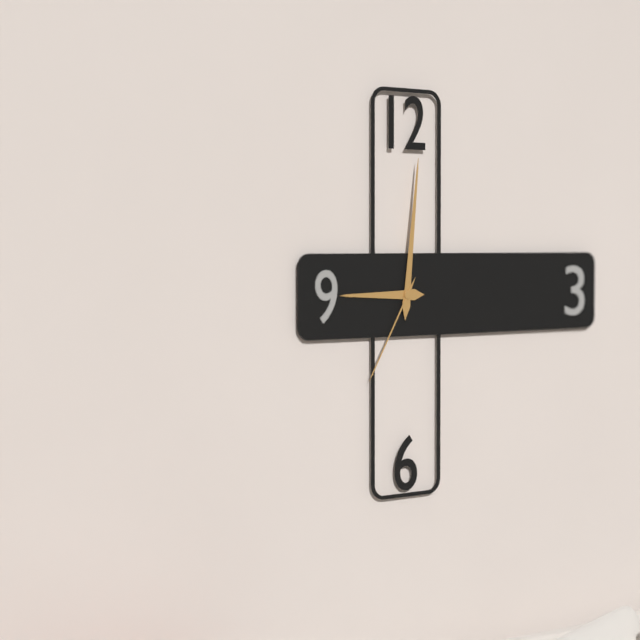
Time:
9.01.35
